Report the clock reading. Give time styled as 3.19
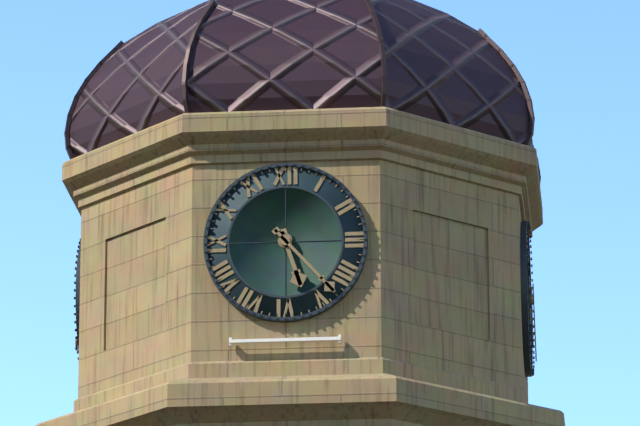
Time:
5.23
